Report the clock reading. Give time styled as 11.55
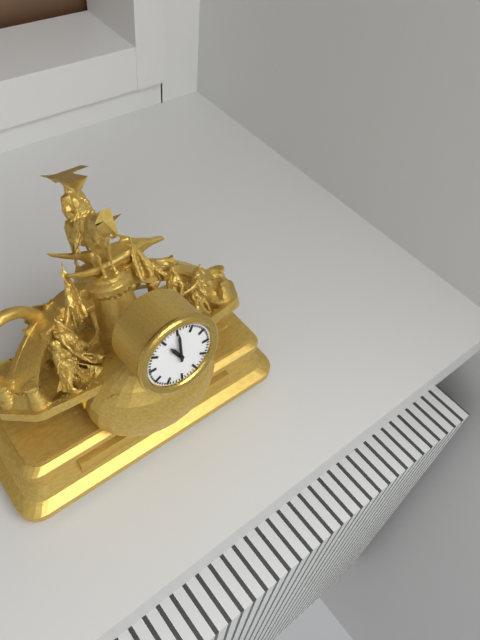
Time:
11.00
